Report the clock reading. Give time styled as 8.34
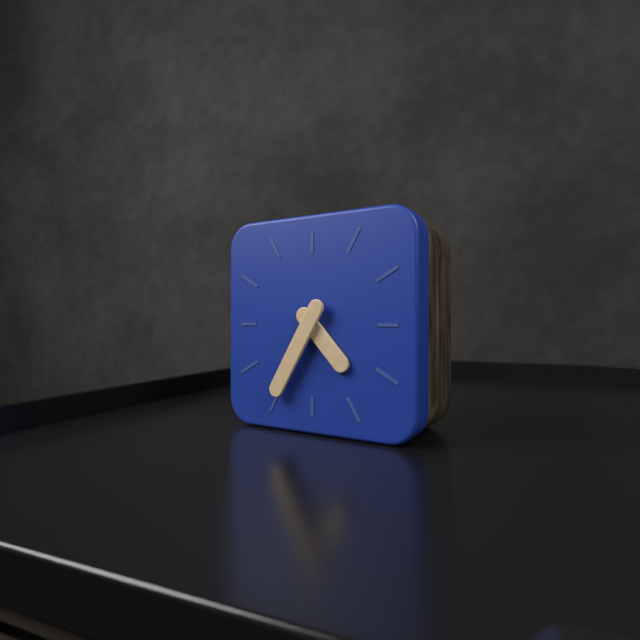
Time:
4.35
